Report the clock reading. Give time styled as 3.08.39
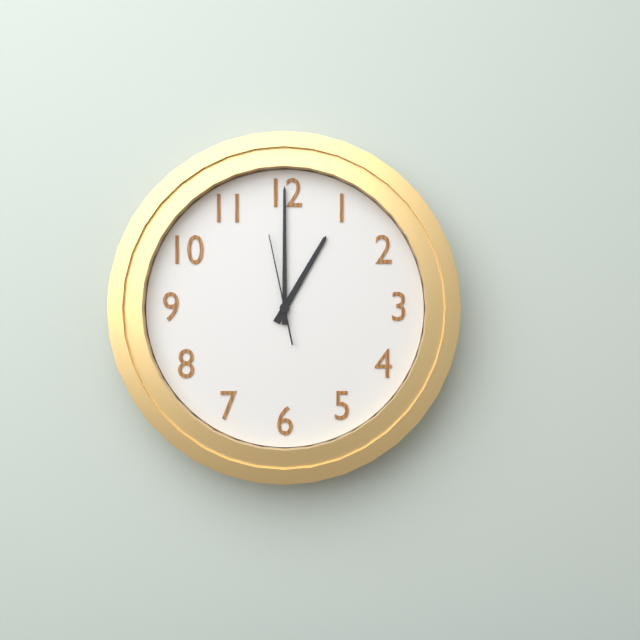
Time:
1.00.58
